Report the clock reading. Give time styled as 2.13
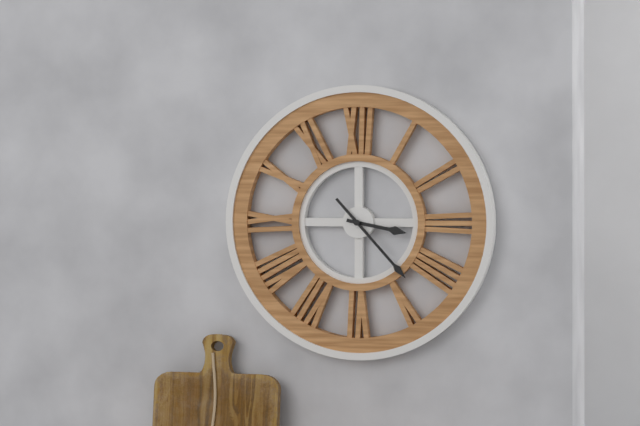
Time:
3.23
